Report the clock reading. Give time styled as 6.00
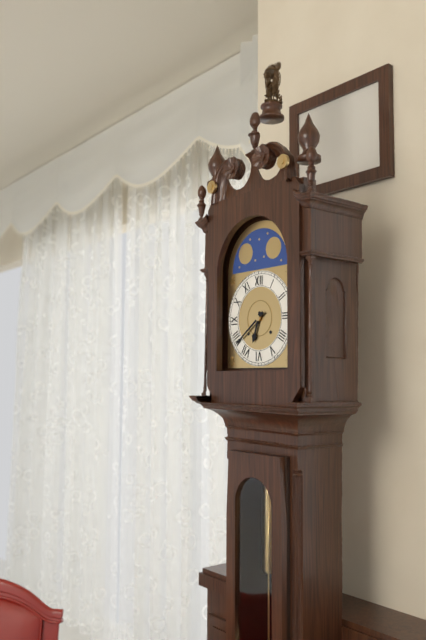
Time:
6.39
